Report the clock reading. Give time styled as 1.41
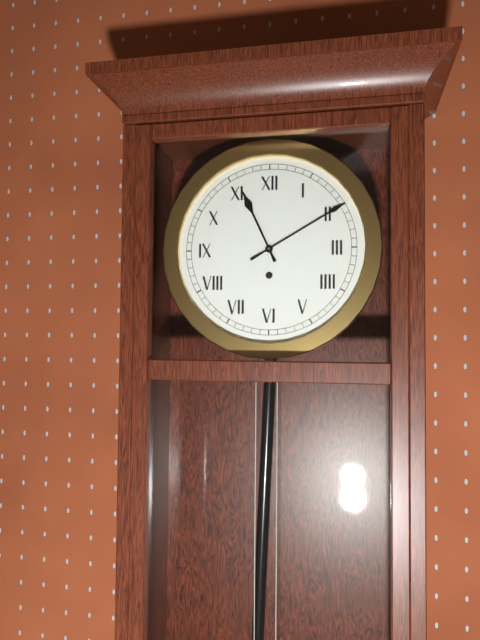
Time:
11.10
